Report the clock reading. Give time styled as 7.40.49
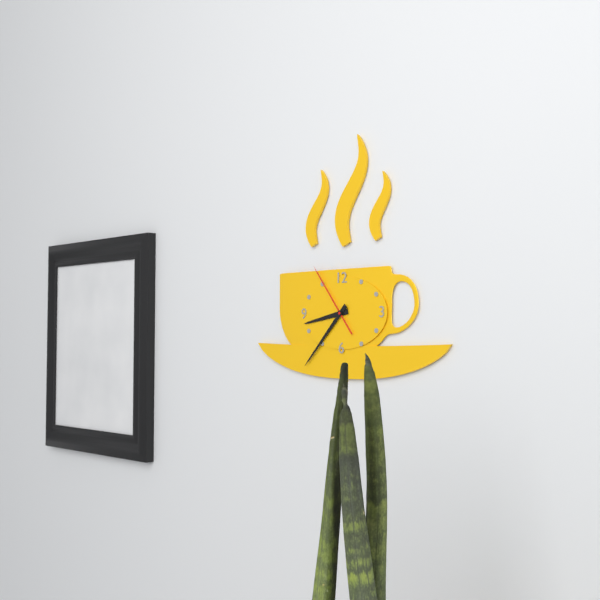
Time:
8.37.54
